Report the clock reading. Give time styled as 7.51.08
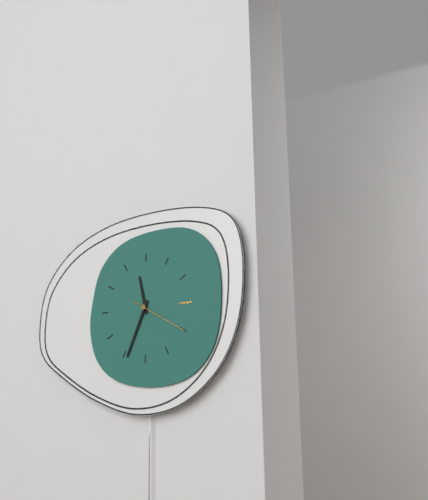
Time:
11.34.20
